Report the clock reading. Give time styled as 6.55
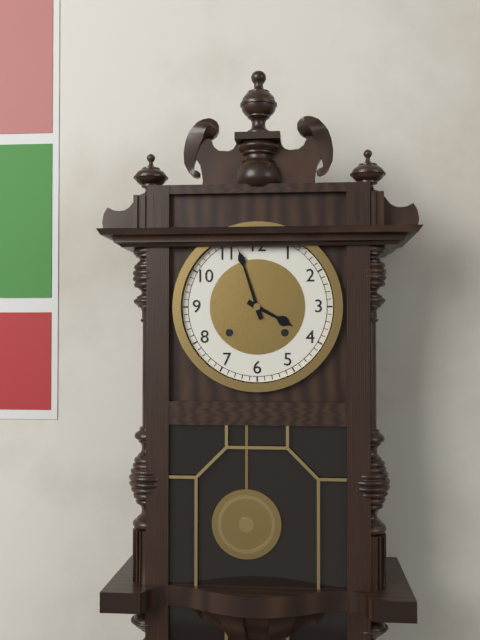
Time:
3.57
